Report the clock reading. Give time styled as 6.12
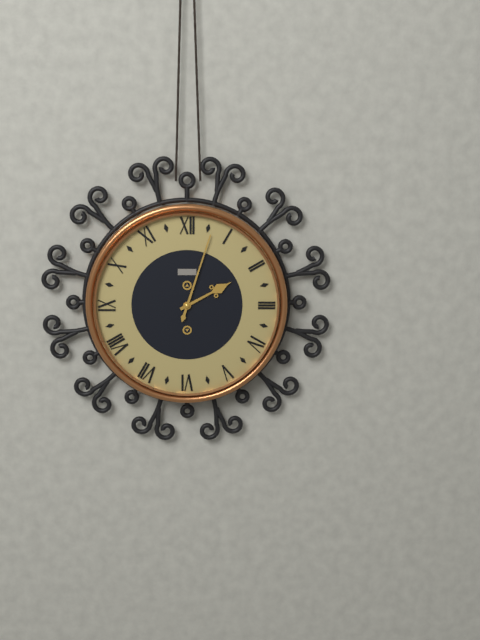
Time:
2.03
